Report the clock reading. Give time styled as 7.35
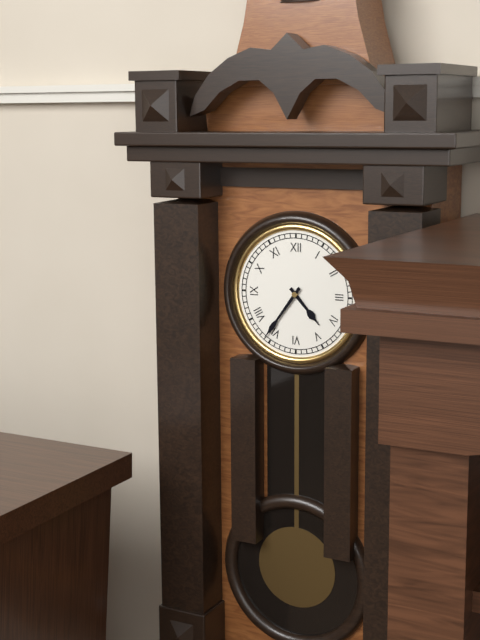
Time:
4.36
